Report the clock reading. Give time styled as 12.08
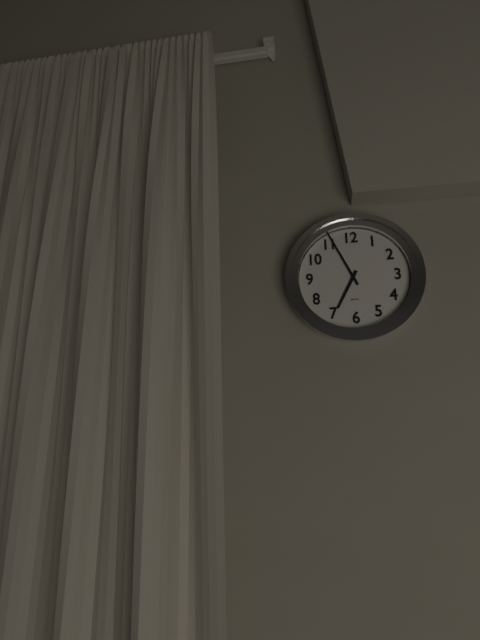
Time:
6.56
